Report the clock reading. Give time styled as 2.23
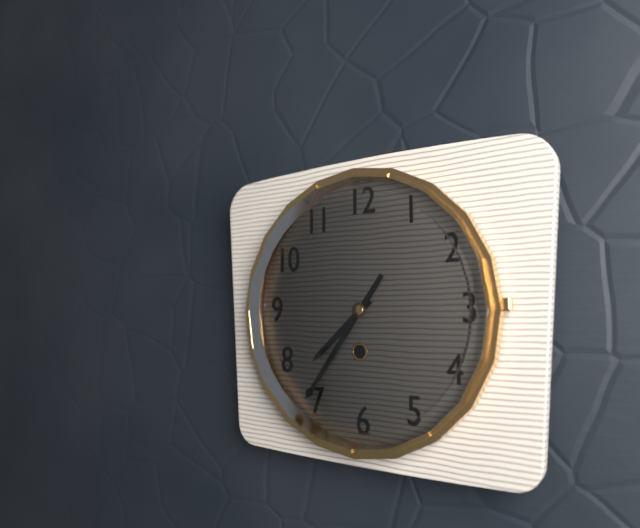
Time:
7.36
